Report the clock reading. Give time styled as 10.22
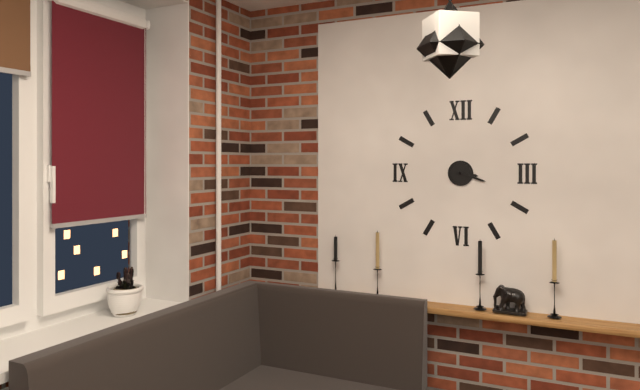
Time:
3.18
